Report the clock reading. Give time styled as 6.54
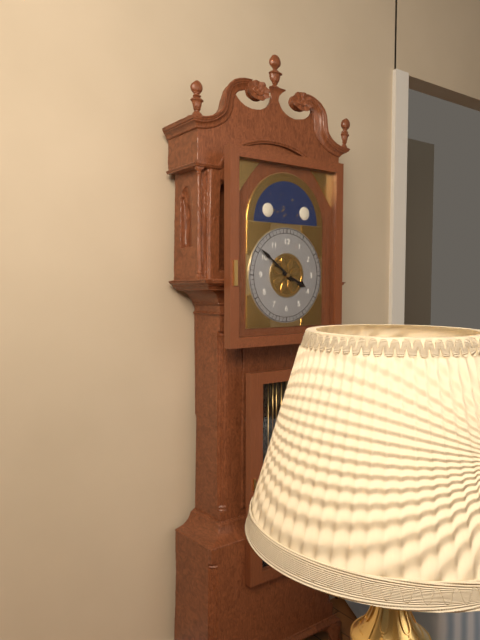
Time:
3.51
